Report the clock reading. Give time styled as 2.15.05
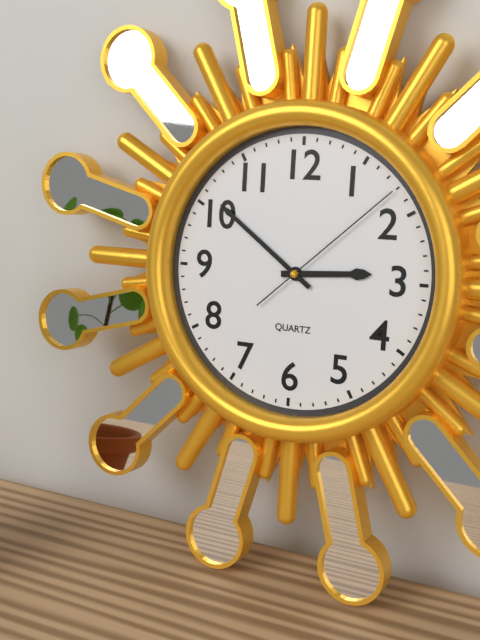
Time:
2.51.08
